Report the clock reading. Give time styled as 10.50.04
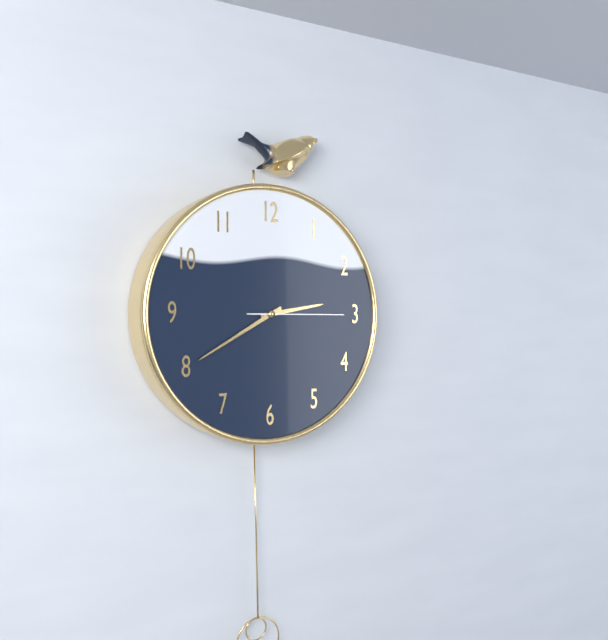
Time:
2.40.15
